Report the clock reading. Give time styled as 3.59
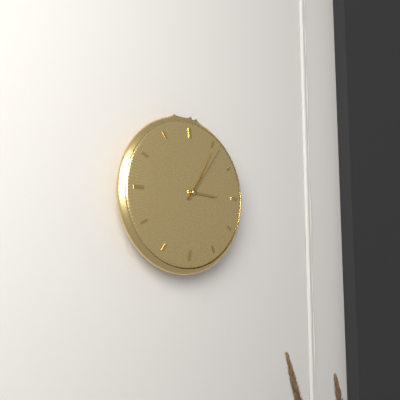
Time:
3.06
